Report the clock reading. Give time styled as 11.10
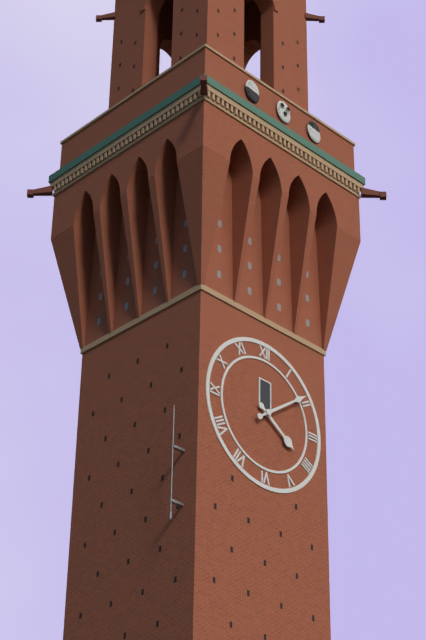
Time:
4.09
